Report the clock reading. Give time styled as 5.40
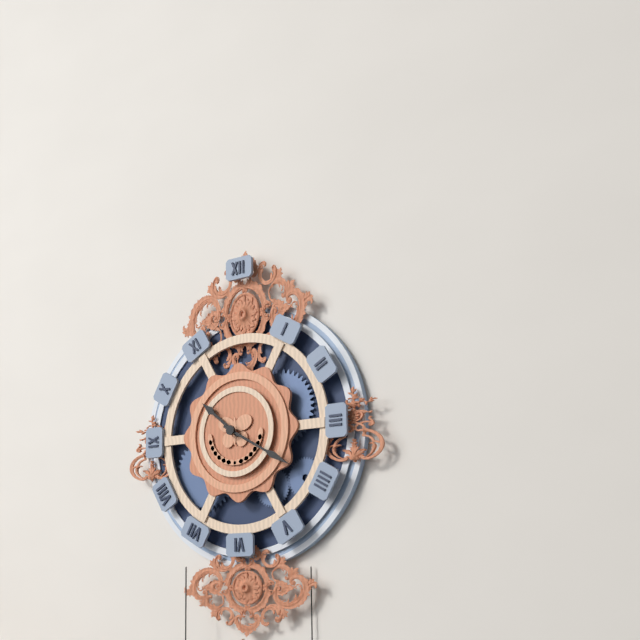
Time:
10.20
